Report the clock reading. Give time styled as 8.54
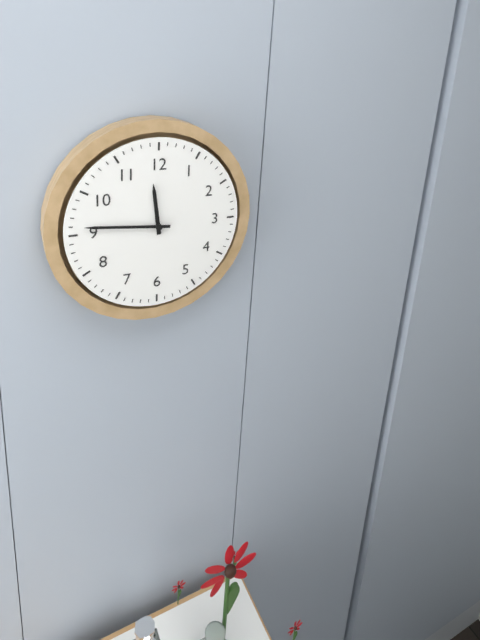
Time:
11.46
